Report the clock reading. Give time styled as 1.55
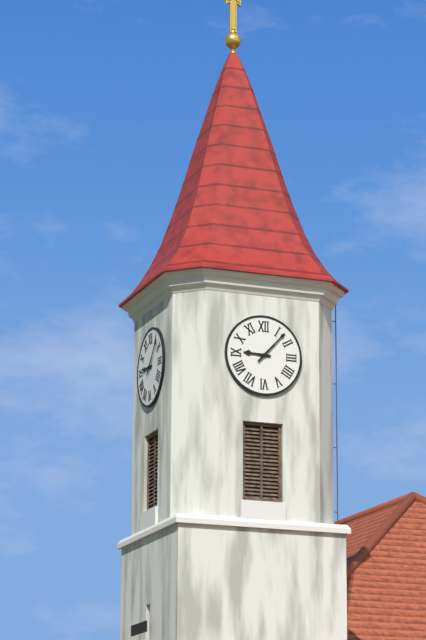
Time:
9.07
